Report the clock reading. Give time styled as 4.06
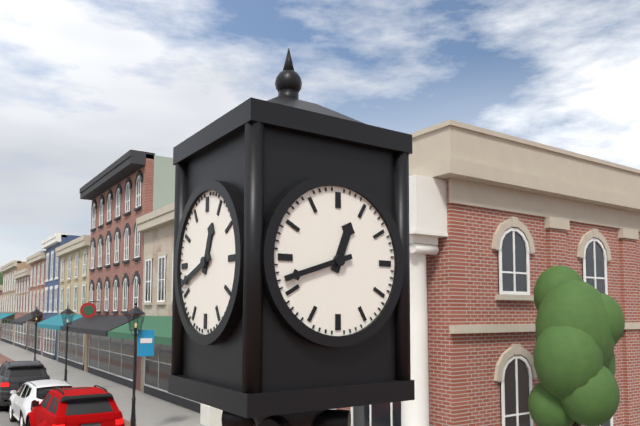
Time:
12.42
